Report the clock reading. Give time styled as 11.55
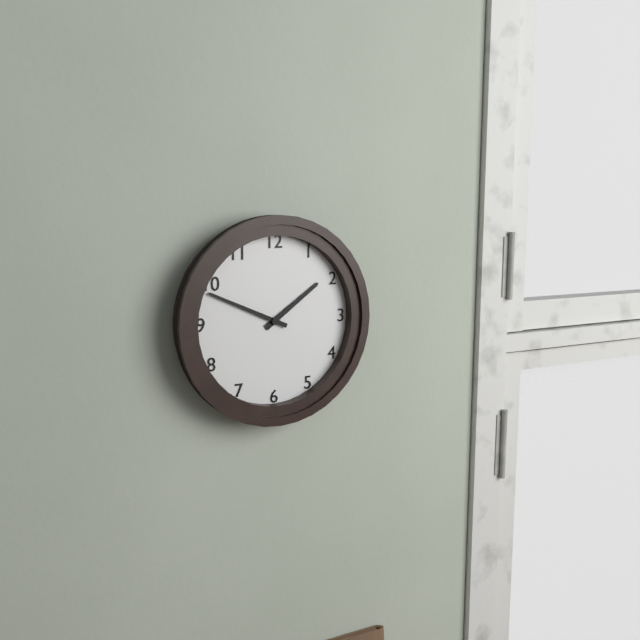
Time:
1.49
